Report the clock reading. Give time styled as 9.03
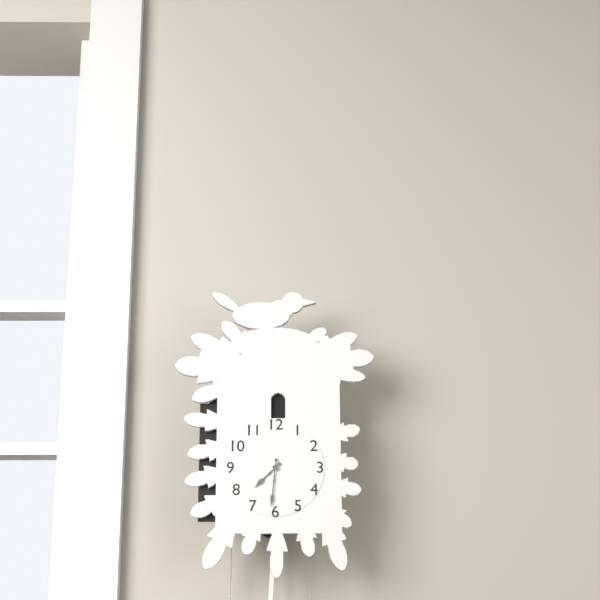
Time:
7.31
